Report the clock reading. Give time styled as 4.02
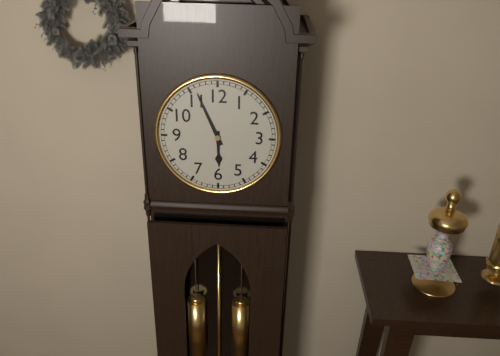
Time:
5.56
